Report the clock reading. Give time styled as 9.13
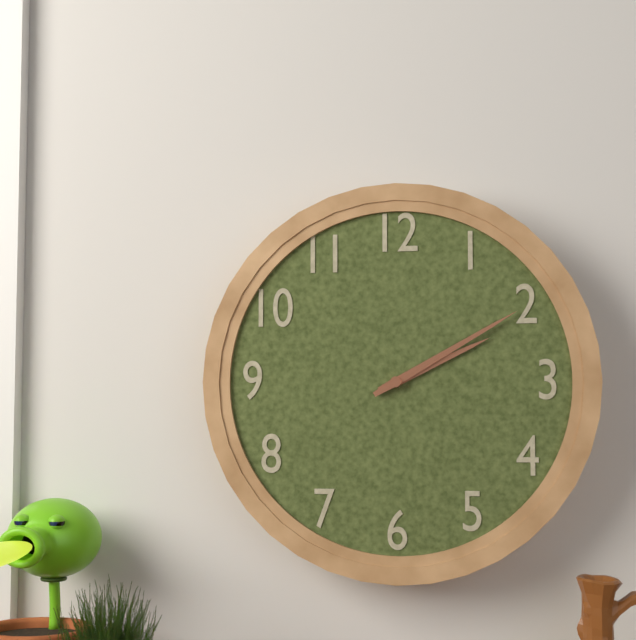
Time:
2.10
